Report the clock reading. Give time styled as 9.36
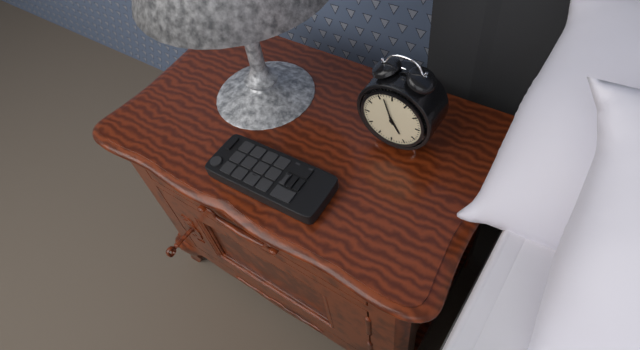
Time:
4.57
